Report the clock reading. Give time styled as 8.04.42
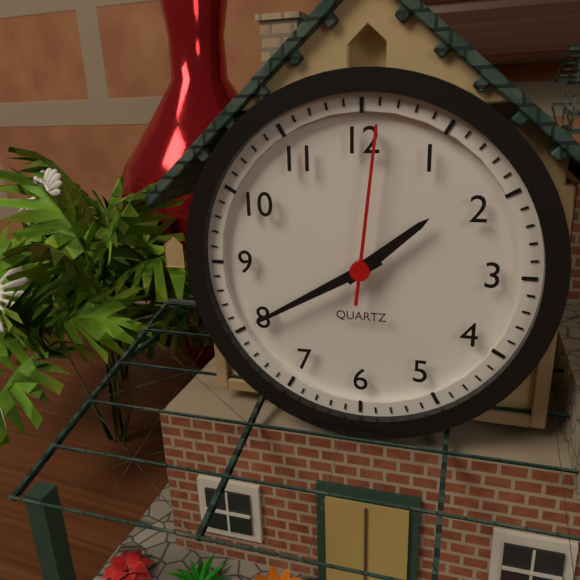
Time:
1.40.01
